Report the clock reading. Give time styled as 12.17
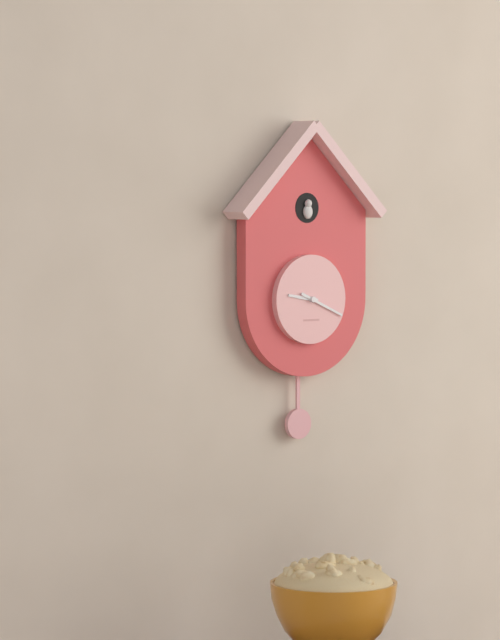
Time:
9.19
